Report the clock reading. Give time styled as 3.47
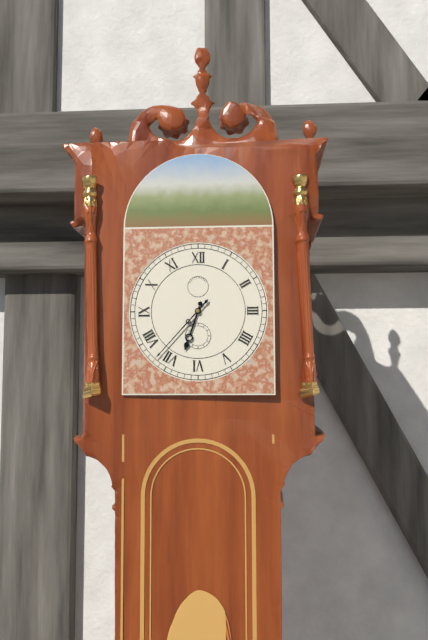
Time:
6.37
